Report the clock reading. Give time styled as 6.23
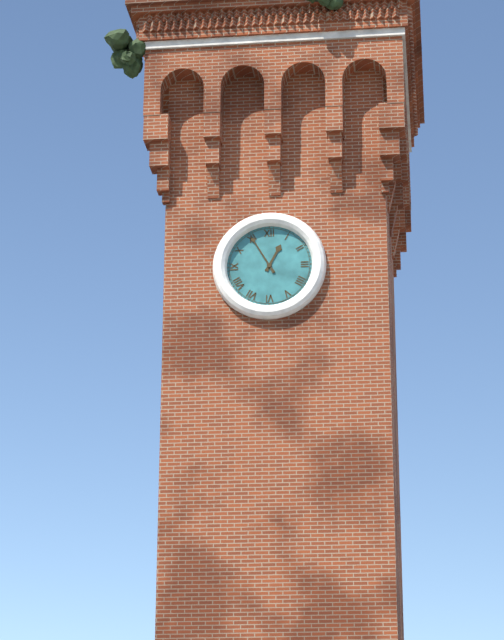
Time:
12.55
